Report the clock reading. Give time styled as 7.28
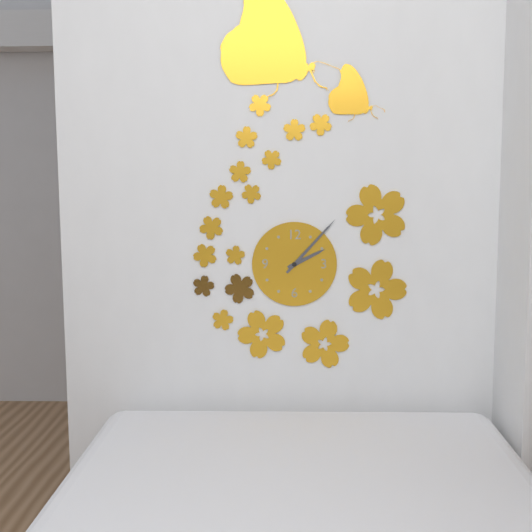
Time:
2.07
